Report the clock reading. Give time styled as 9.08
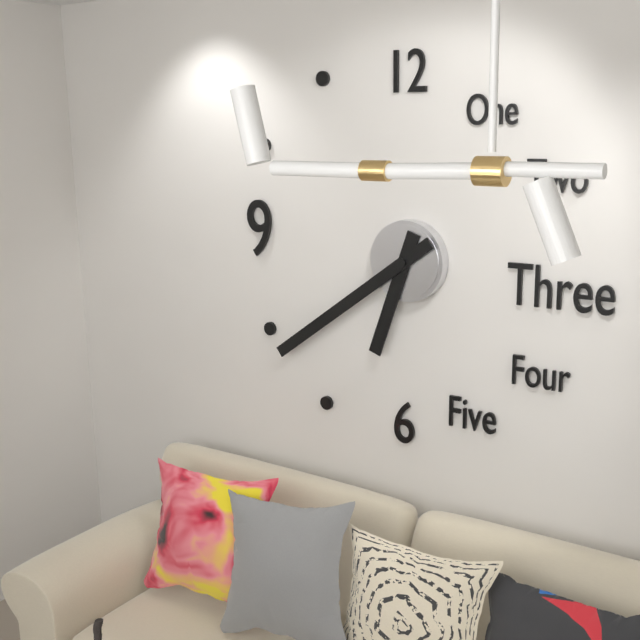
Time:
6.39
